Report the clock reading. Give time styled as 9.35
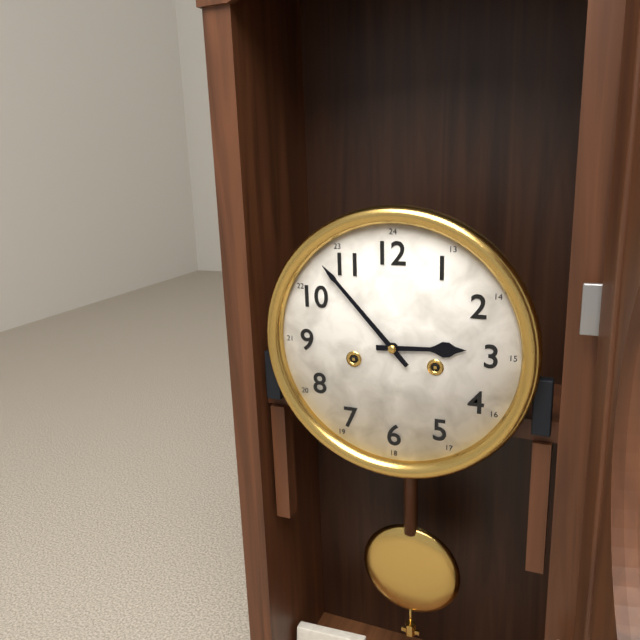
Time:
2.53
